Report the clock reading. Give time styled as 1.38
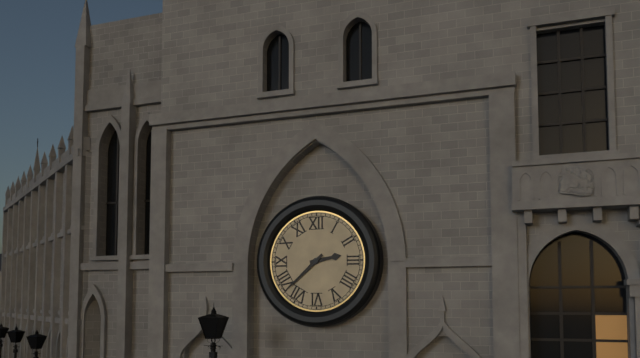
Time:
2.38
